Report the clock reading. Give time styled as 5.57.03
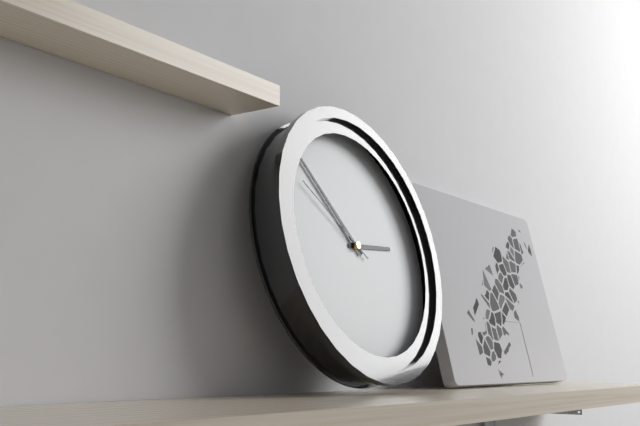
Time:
2.53.51
